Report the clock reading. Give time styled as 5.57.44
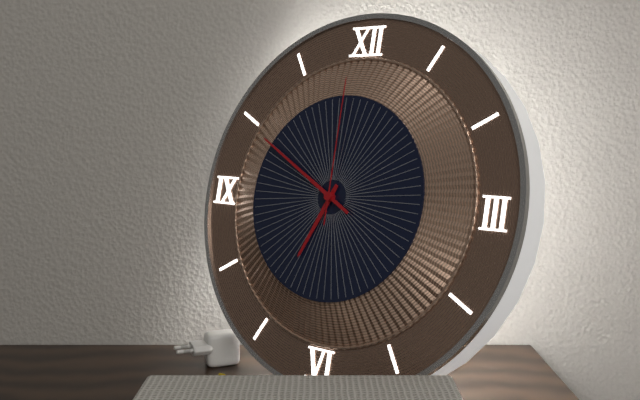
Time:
6.50.00
